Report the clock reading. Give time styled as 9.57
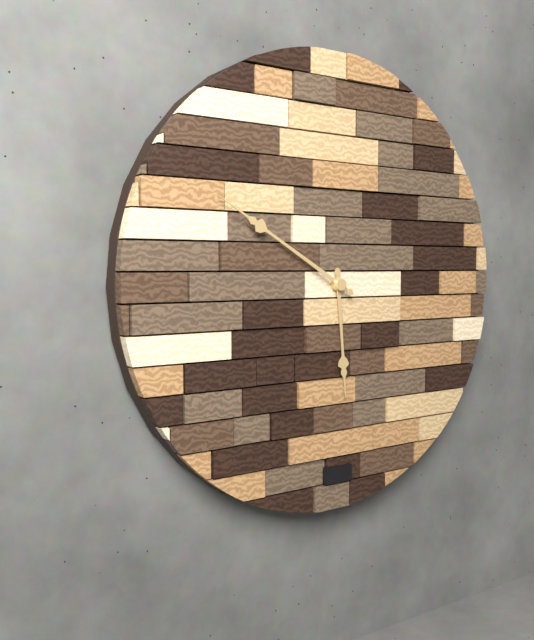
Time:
5.50
